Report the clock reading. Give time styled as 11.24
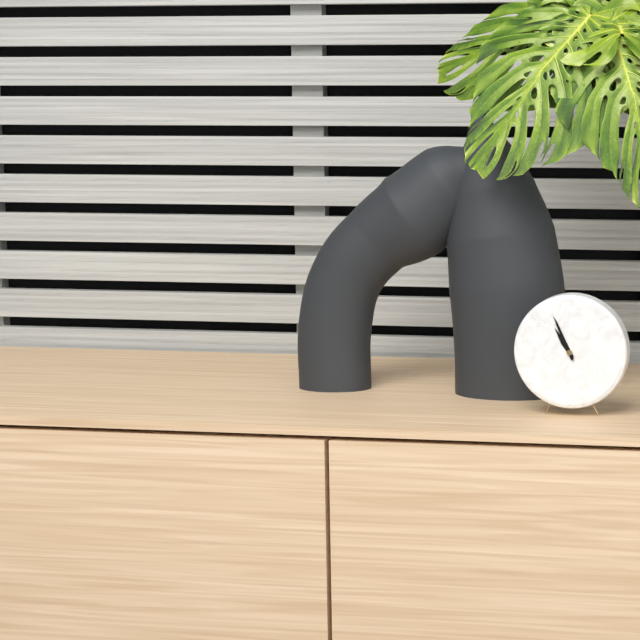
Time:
10.56
